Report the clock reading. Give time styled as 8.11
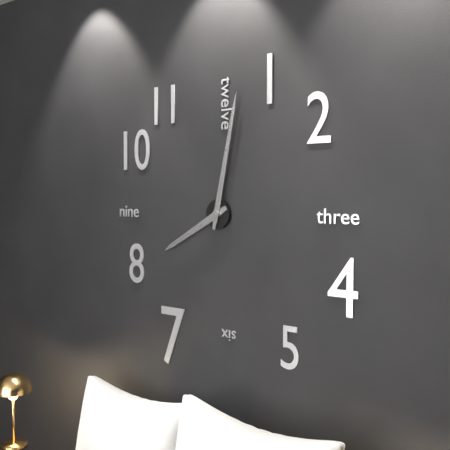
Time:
8.02
